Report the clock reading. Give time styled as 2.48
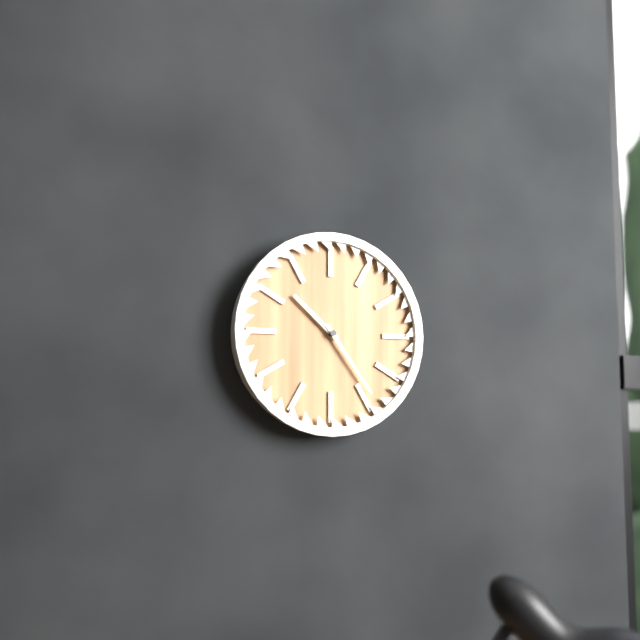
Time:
10.24
